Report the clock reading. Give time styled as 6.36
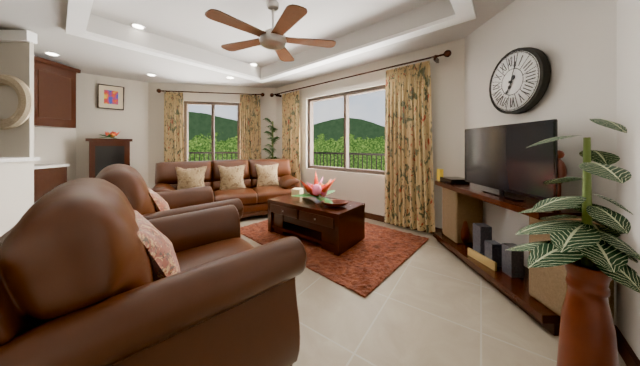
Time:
7.03
